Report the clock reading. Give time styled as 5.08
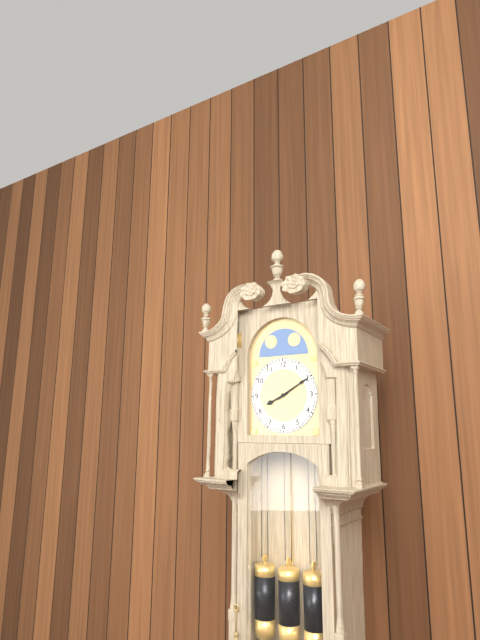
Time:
8.10
